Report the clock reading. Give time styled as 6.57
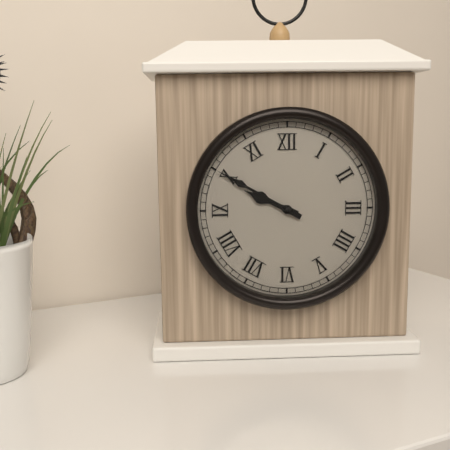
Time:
9.50
